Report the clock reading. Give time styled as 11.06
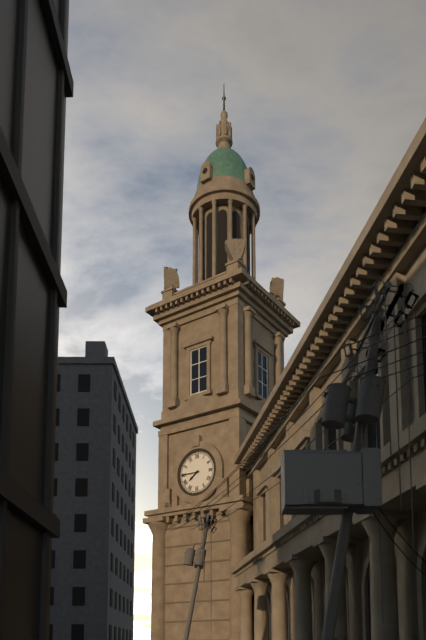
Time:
7.45
